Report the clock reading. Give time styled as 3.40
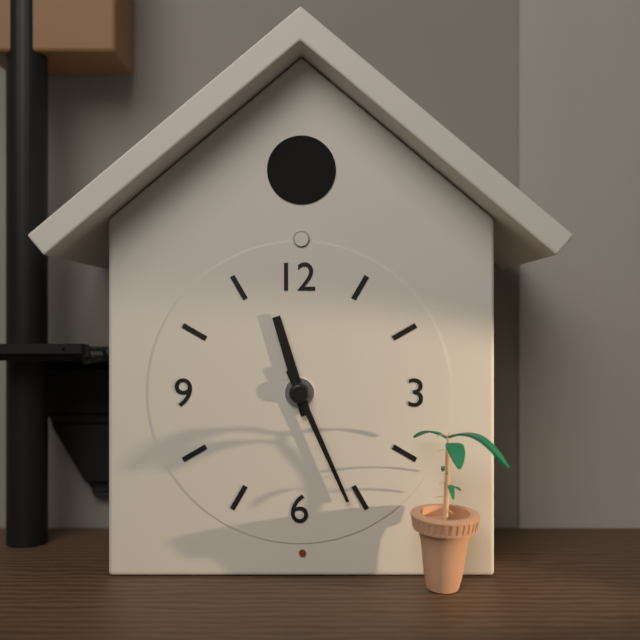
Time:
11.26
